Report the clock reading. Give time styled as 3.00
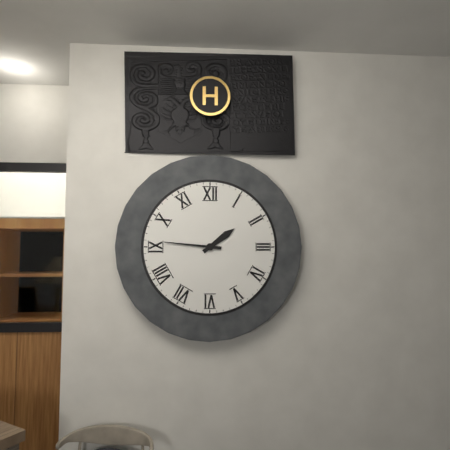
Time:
1.46
